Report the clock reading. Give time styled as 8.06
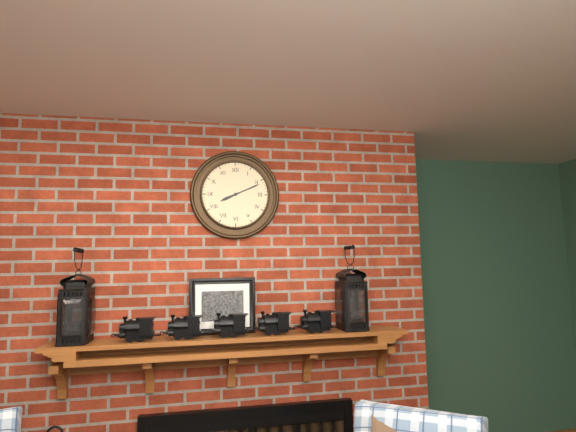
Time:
8.11
